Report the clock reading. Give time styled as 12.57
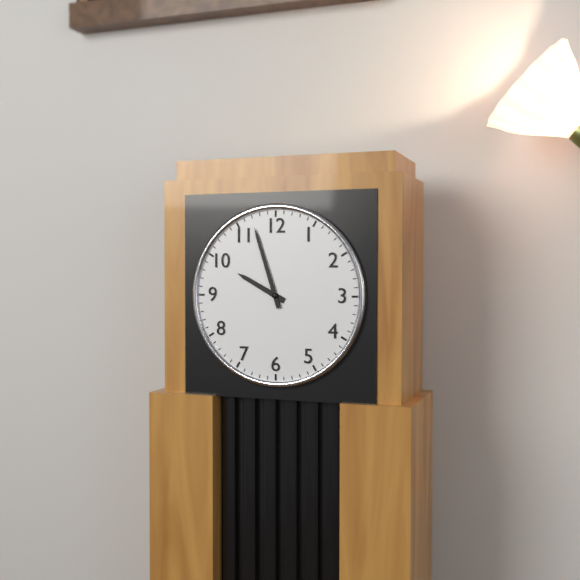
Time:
9.57
